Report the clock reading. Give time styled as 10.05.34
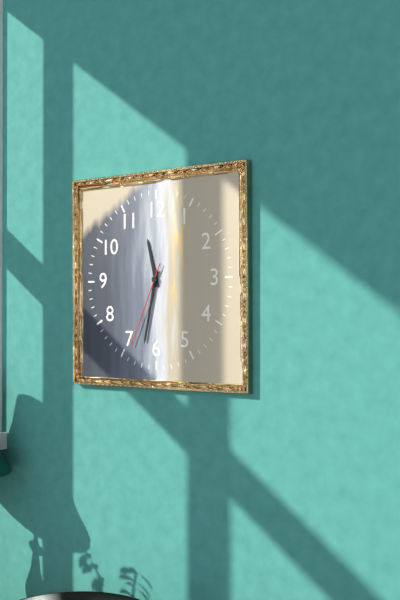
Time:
11.32.34
